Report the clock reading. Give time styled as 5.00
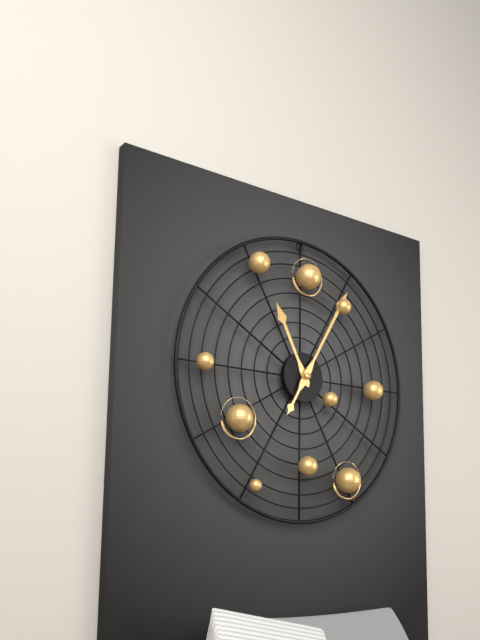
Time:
11.05
